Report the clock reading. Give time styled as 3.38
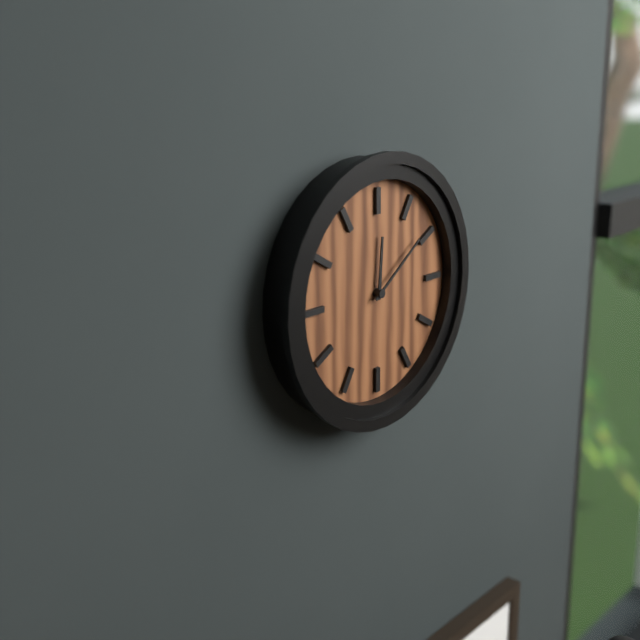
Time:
12.09
